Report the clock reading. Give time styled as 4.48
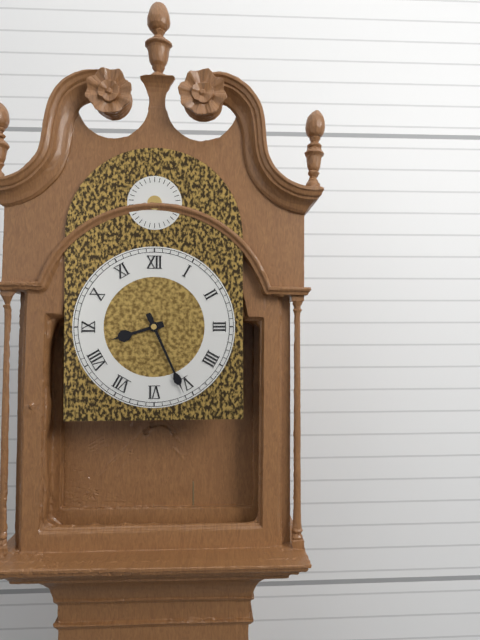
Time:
8.26
